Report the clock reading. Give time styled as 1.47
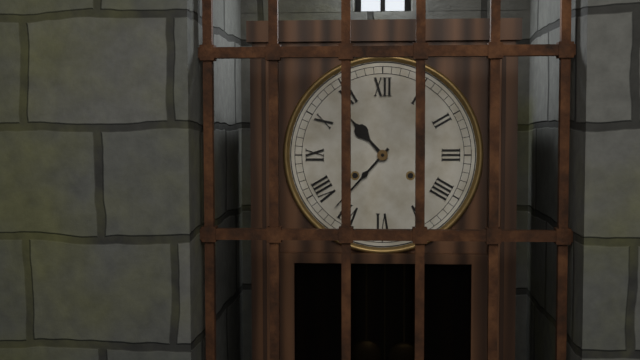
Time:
10.37
